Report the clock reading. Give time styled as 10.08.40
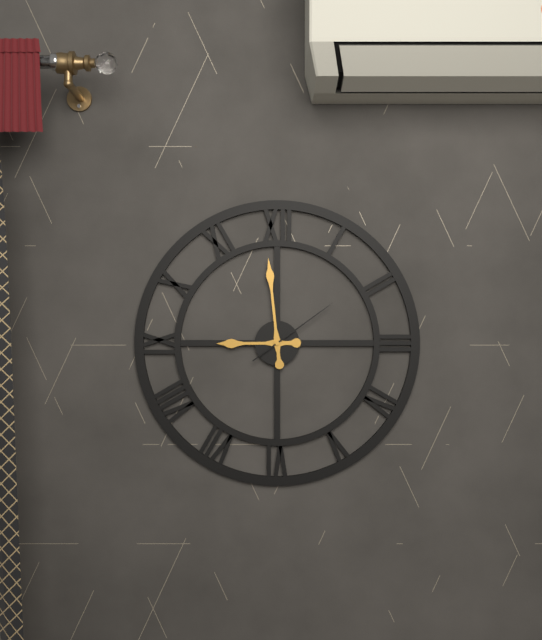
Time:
8.59.09
